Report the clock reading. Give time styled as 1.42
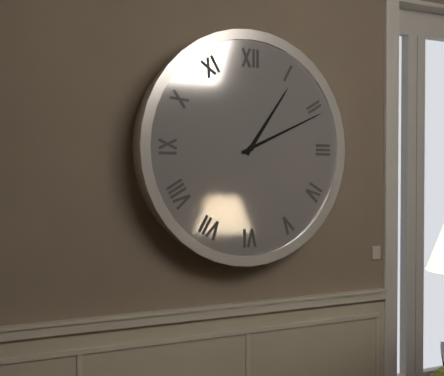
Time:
1.11
